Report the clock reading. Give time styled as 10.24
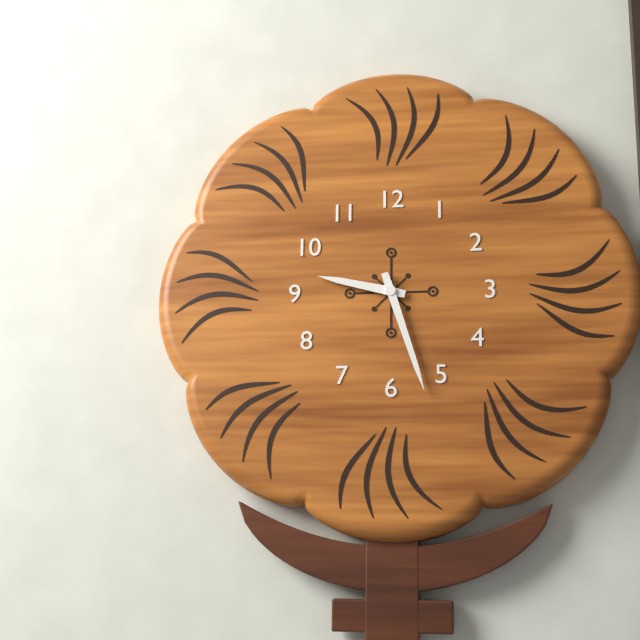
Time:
9.27
